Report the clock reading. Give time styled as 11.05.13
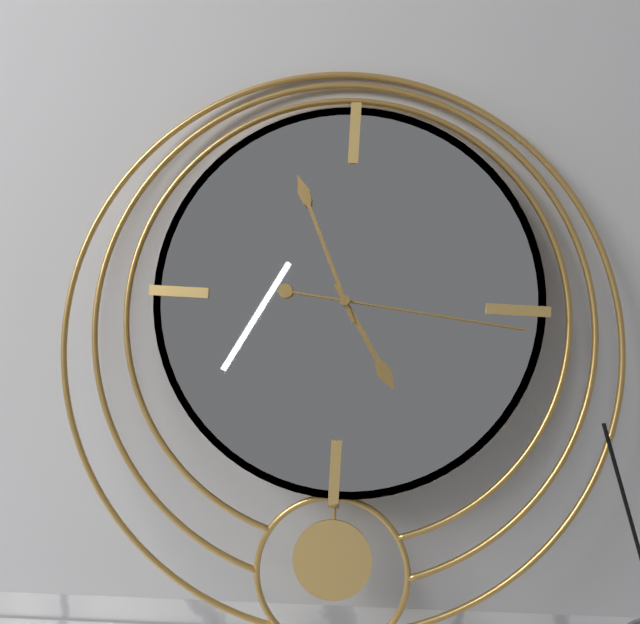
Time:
4.56.16
